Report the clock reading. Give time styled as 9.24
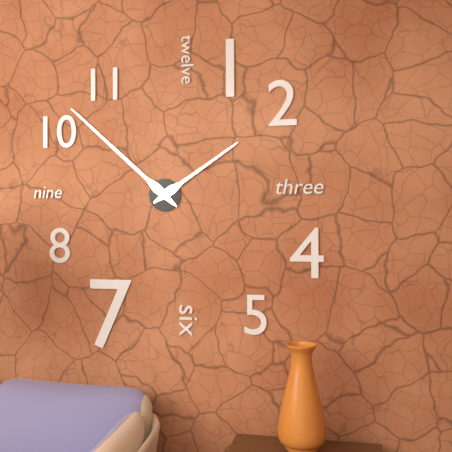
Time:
1.52
